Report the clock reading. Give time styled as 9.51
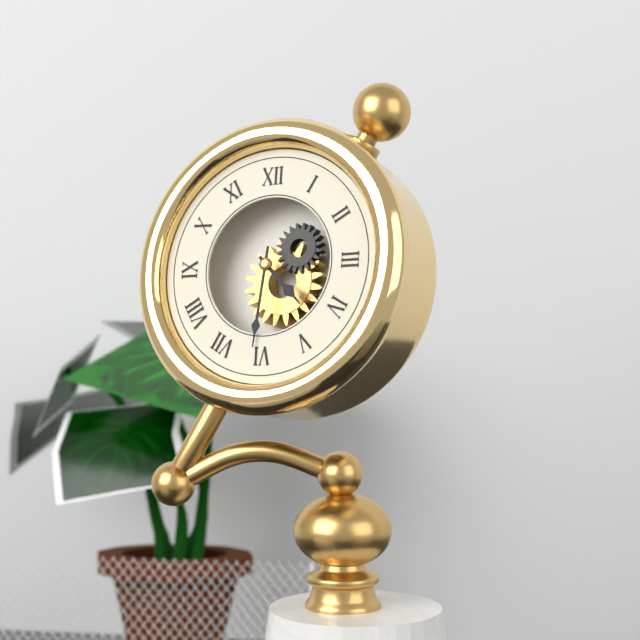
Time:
4.31
